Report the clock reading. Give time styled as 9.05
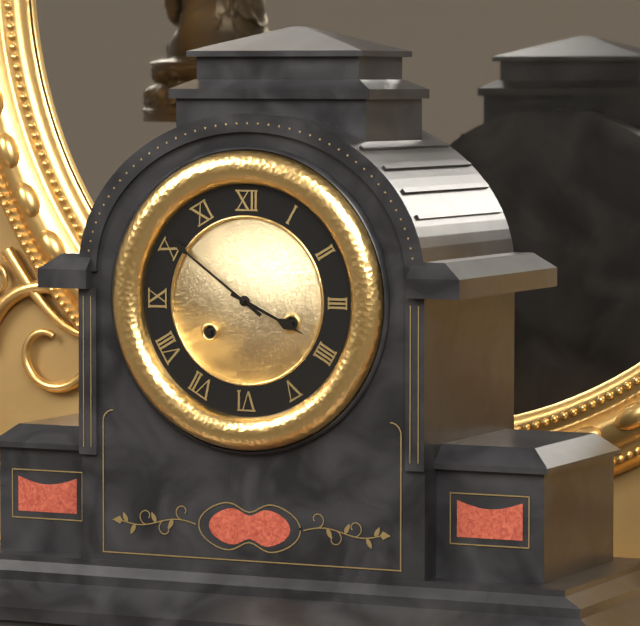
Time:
3.51
